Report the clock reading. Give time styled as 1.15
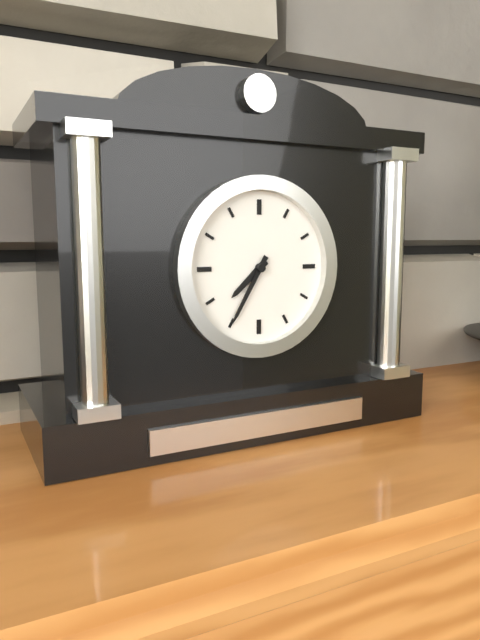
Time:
7.35
